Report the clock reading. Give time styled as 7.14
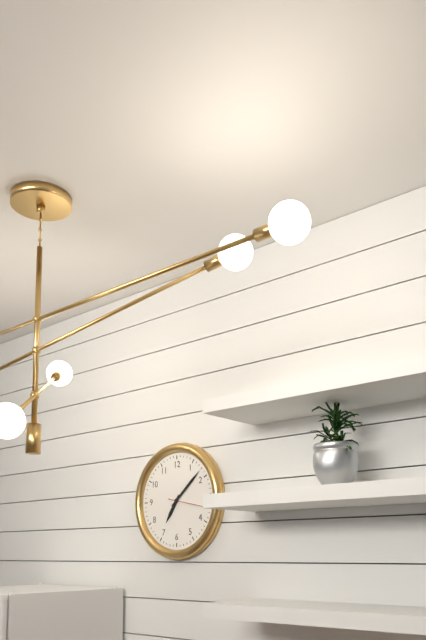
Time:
7.08
